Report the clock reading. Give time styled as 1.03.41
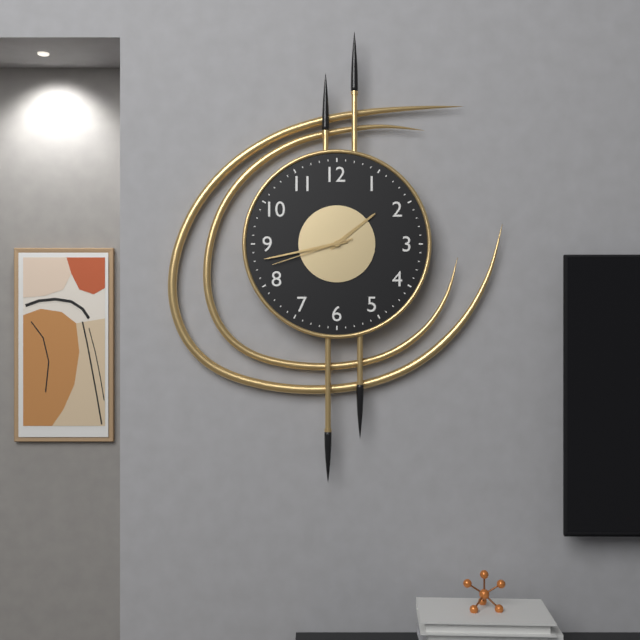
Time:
1.43.42
